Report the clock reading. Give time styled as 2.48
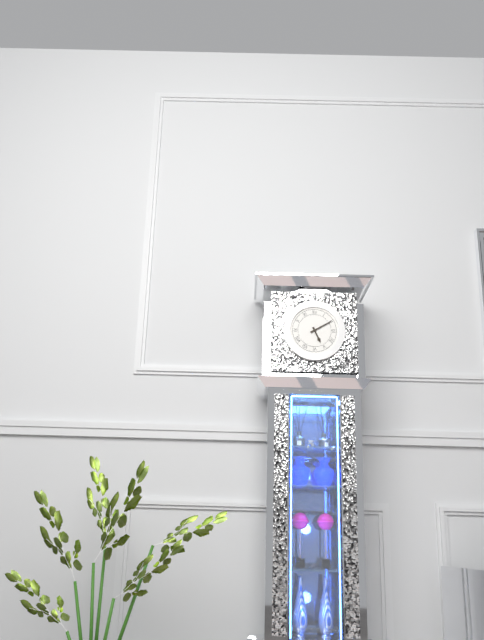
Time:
5.10
